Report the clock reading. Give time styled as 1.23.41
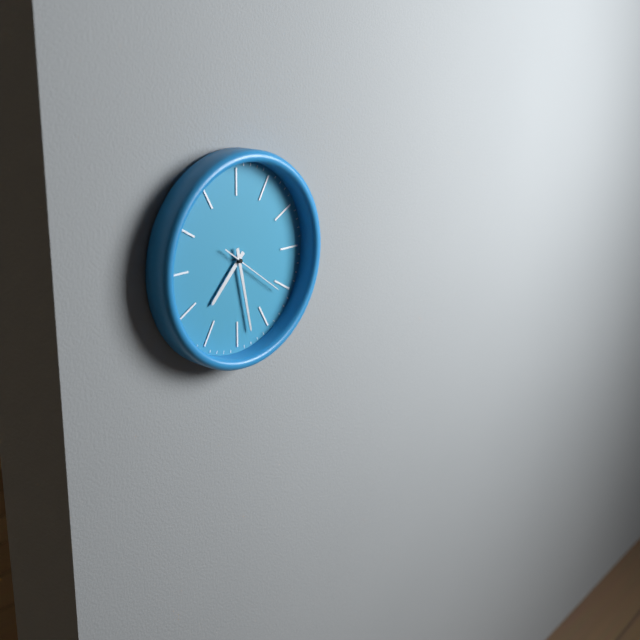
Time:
7.28.21
